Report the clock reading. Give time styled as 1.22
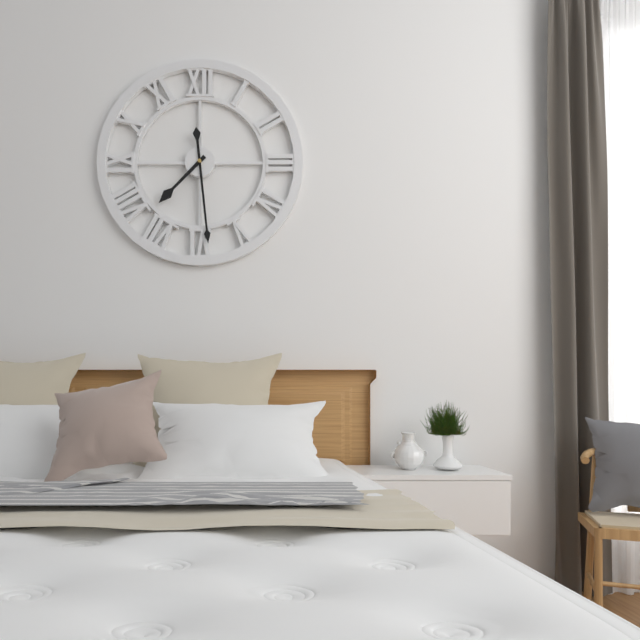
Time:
7.29
